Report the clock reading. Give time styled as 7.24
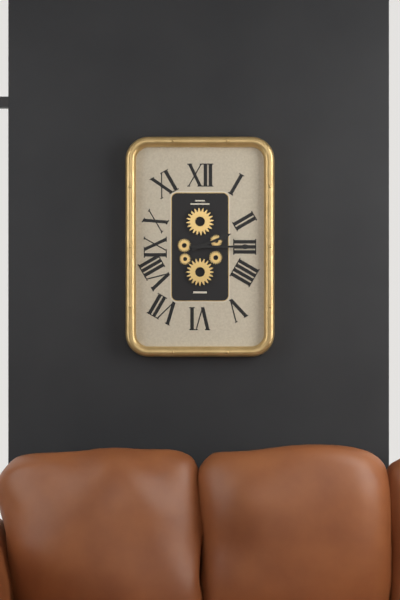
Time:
2.15
